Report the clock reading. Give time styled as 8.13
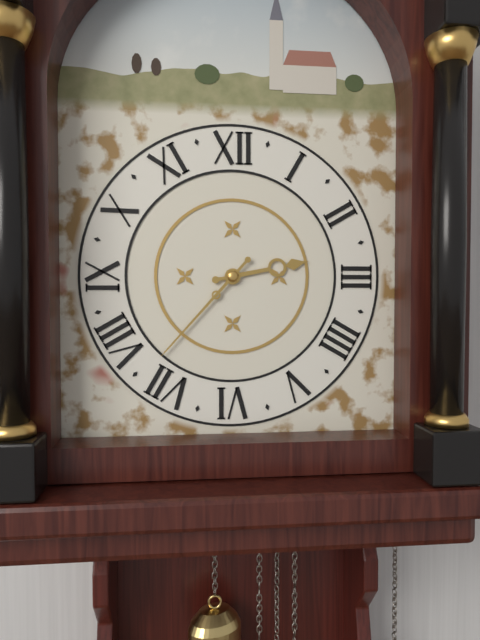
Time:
2.37
